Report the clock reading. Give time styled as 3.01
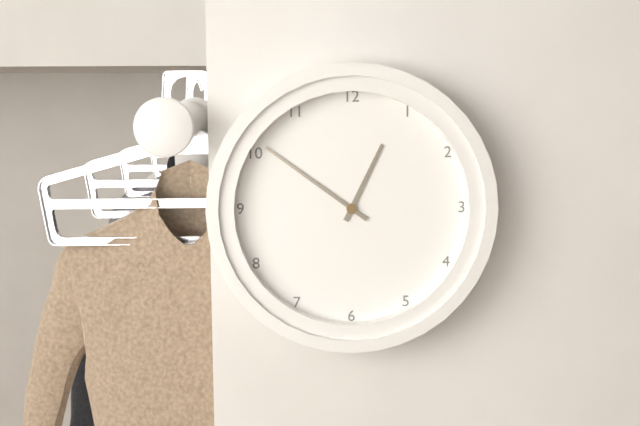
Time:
12.51
